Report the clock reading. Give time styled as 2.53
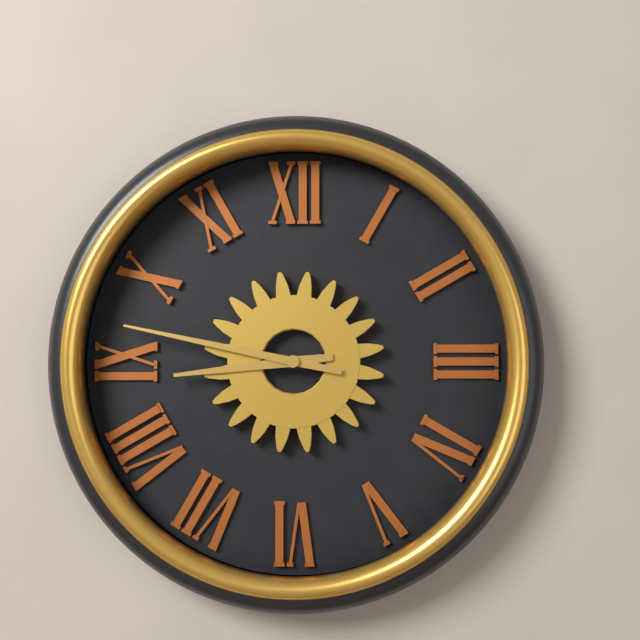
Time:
8.47
